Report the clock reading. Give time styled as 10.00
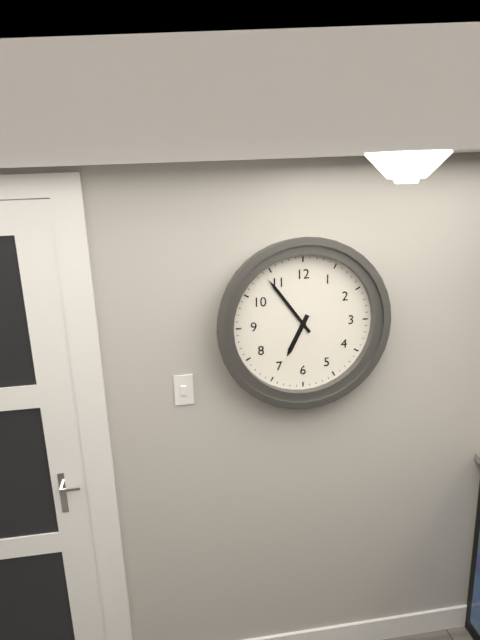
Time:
6.54
